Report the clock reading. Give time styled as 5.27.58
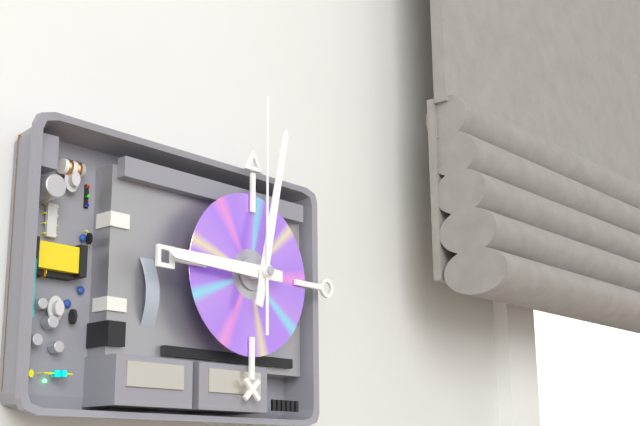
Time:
9.02.00
